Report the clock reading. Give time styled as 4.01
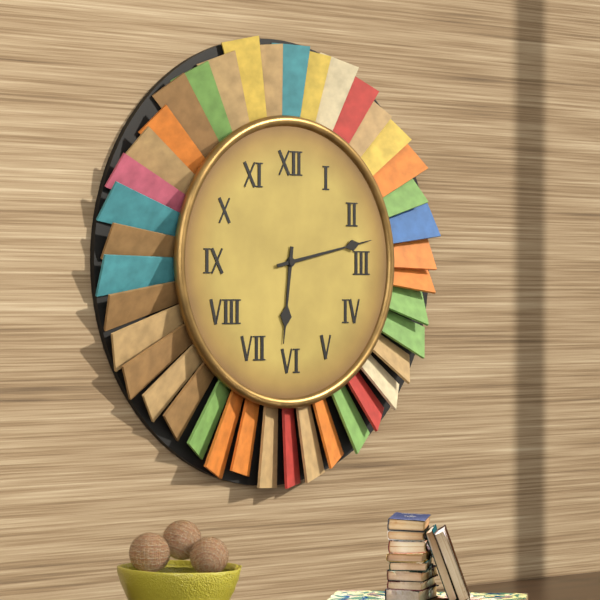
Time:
6.13
